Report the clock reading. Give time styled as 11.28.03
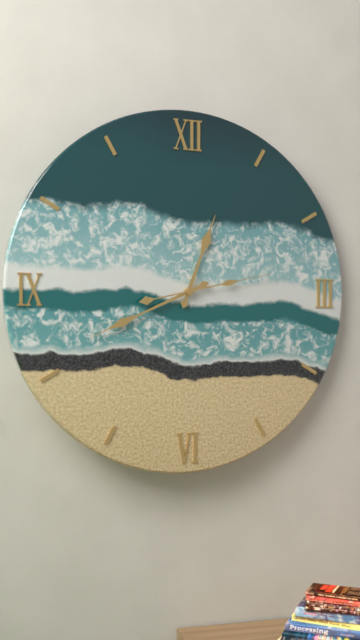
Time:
12.41.13
